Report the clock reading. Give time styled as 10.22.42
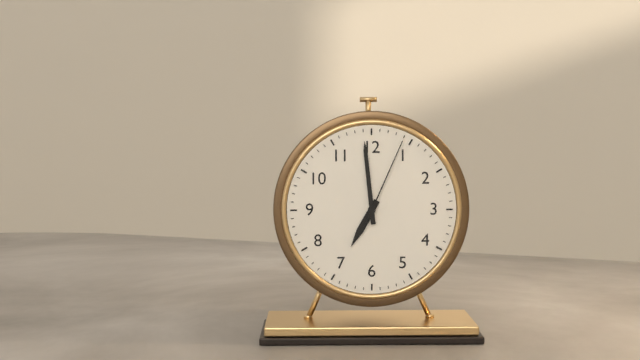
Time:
6.59.04
